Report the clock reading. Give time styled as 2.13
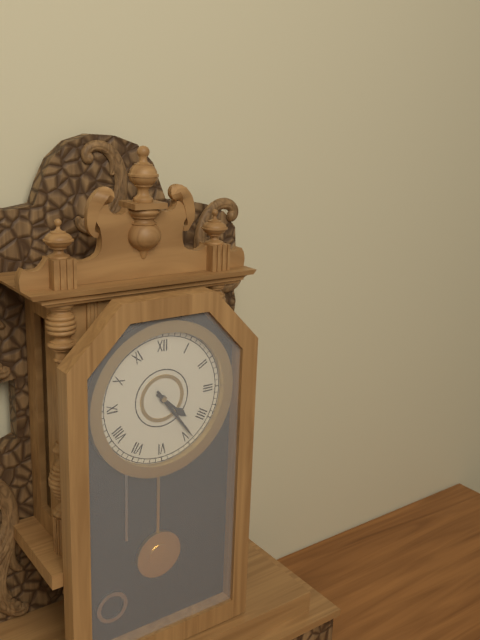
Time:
4.24
